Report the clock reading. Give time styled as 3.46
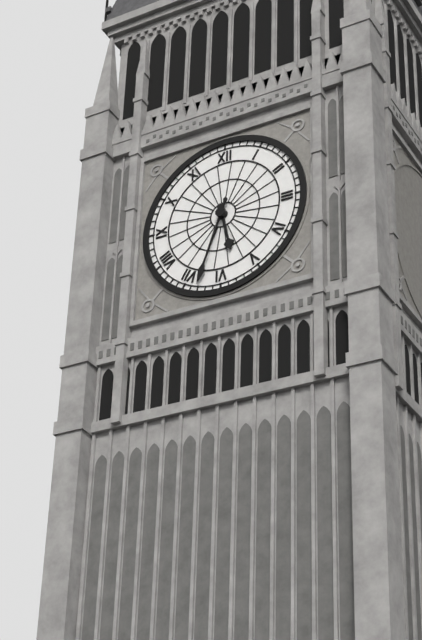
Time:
5.33
